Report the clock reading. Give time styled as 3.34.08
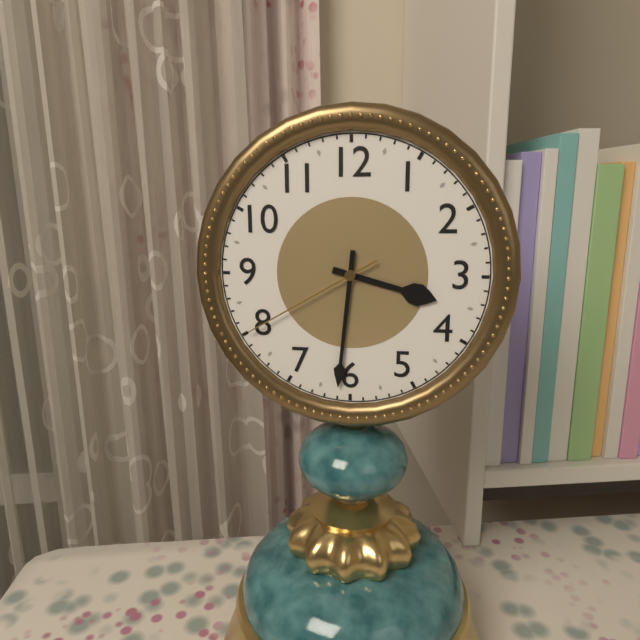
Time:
3.31.40
